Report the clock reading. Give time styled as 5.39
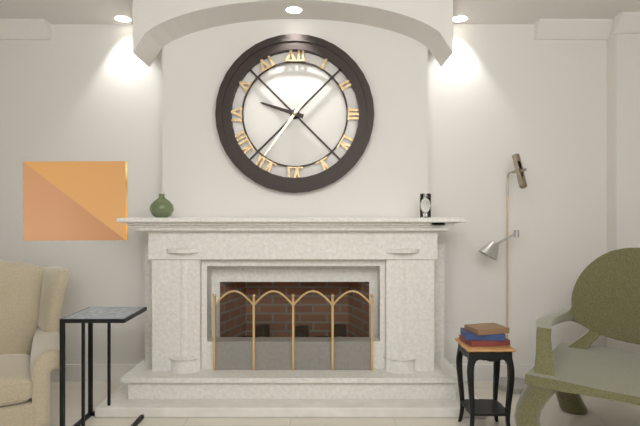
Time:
9.36
